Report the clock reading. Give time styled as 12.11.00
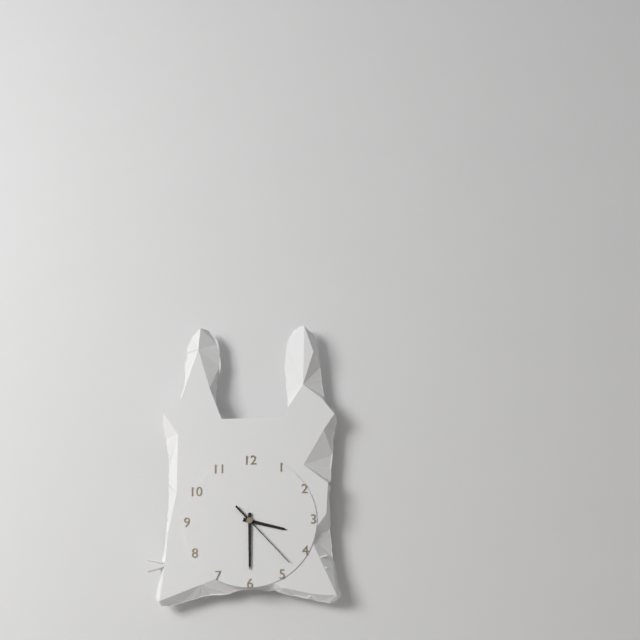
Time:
3.30.23
